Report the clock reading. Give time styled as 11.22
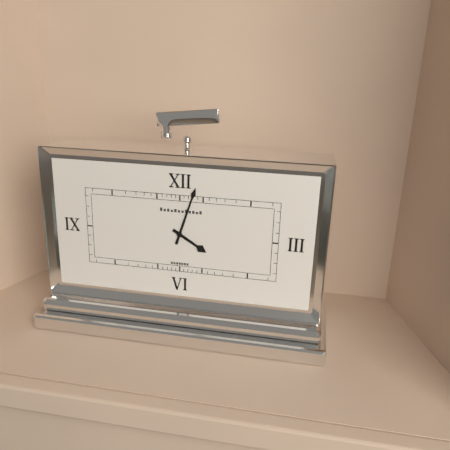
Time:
4.03
